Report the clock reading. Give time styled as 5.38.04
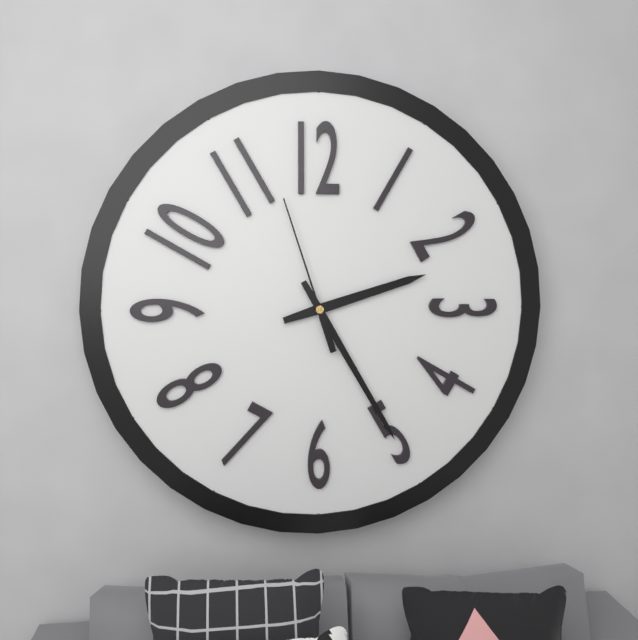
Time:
2.25.57
